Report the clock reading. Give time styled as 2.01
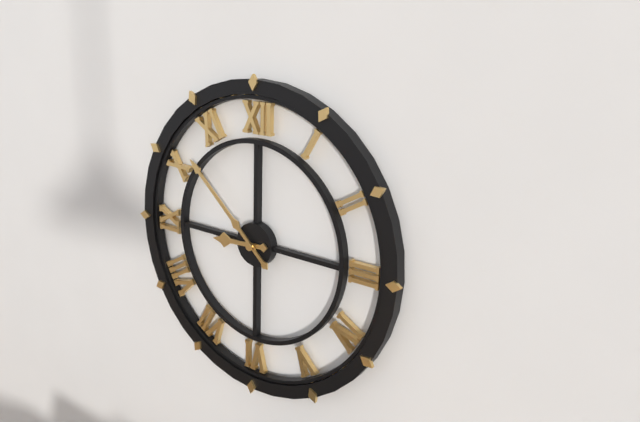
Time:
8.52
